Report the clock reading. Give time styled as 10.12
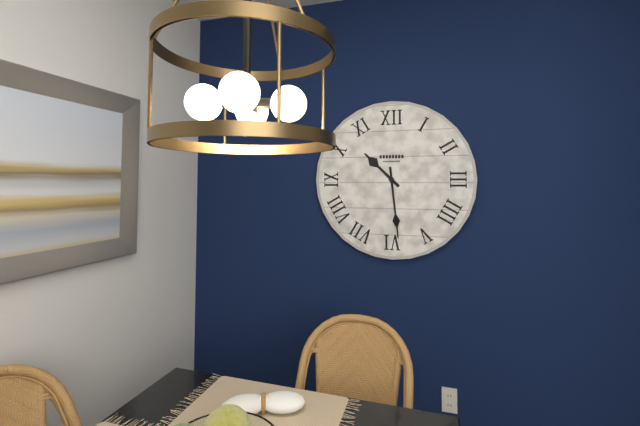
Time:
10.29
